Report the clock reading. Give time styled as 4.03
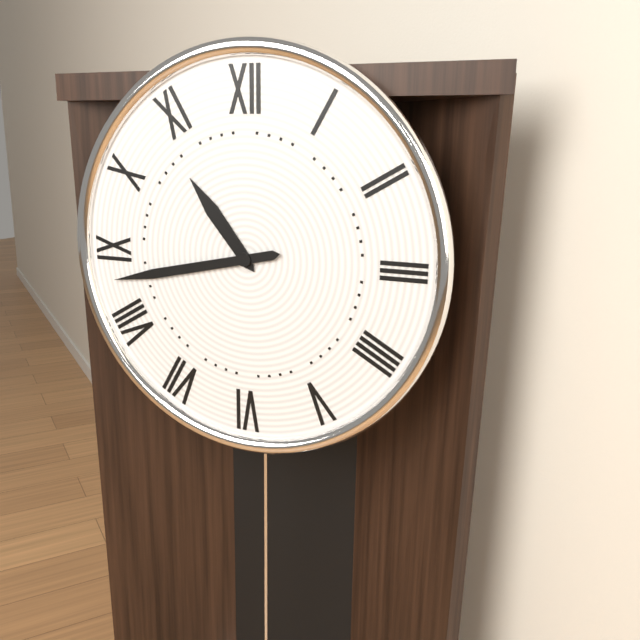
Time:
10.43
